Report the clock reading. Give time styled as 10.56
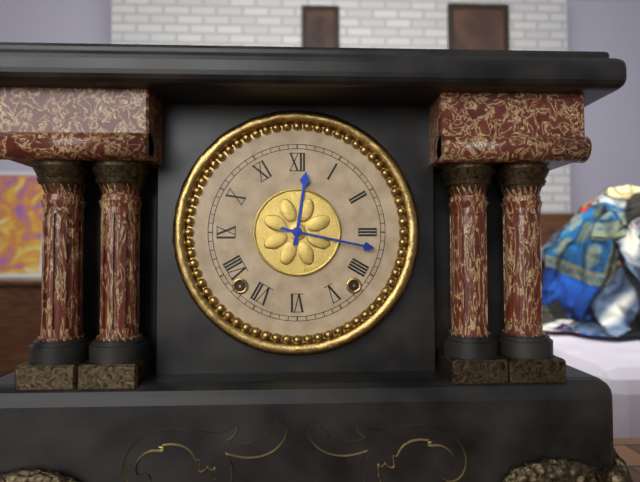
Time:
12.17
